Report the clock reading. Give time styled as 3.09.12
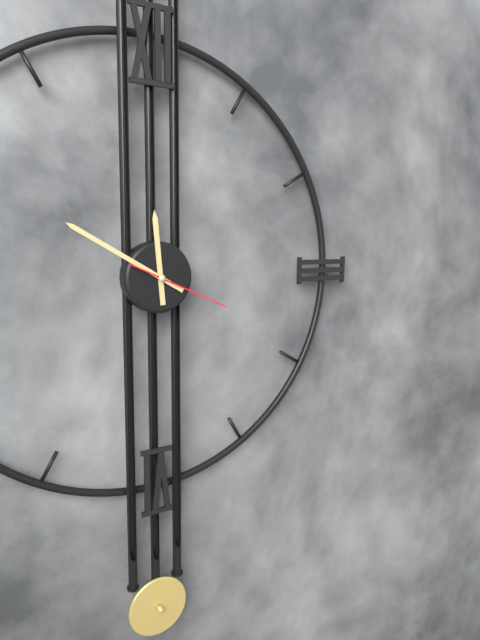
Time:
11.50.19
